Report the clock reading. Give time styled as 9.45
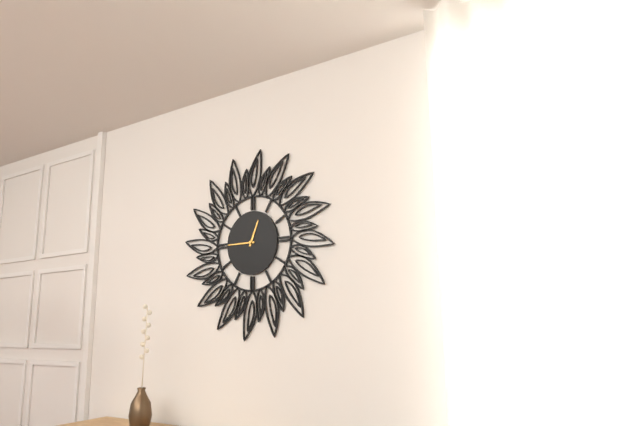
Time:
12.45
